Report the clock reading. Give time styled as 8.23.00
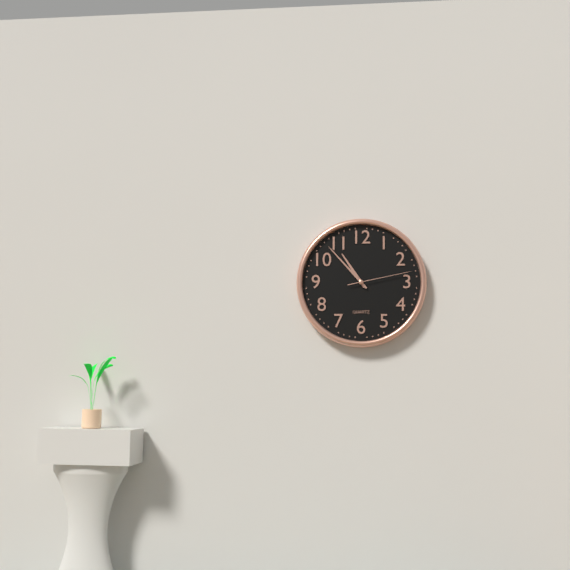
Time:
10.53.13
